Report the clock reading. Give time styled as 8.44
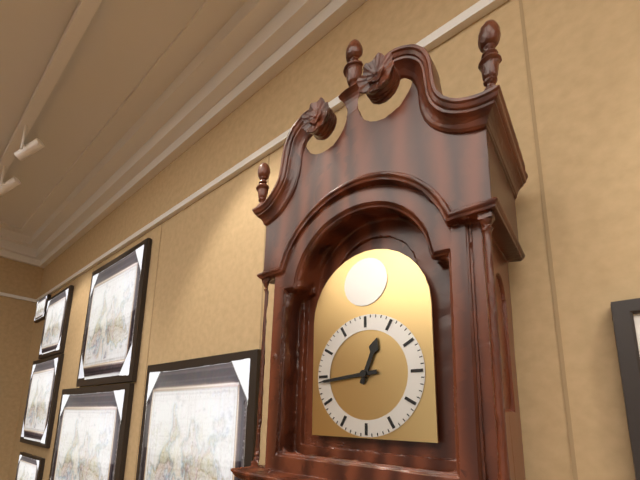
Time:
12.44
